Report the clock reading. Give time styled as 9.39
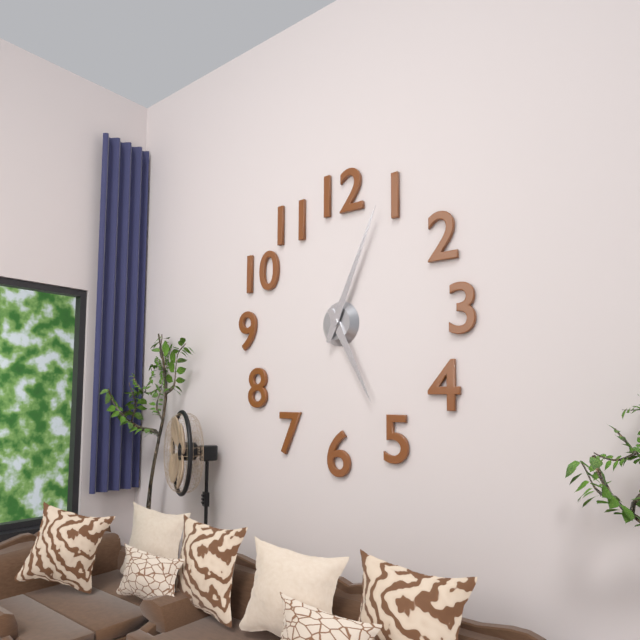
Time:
5.04
